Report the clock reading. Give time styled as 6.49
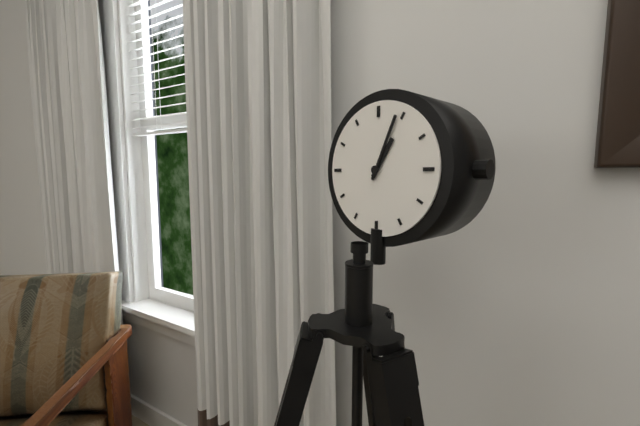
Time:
1.04
